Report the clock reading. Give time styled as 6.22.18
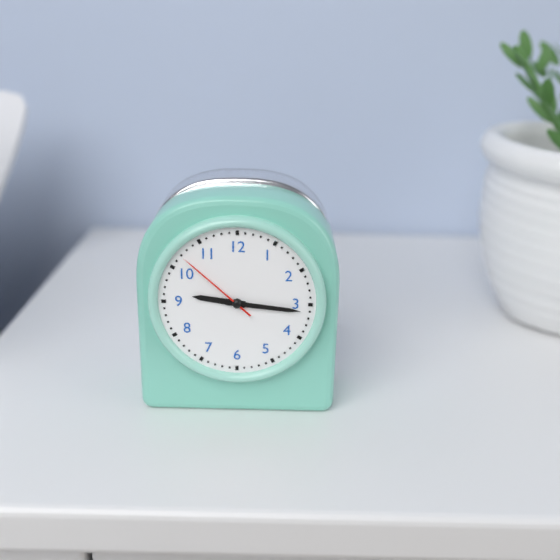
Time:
9.16.52
